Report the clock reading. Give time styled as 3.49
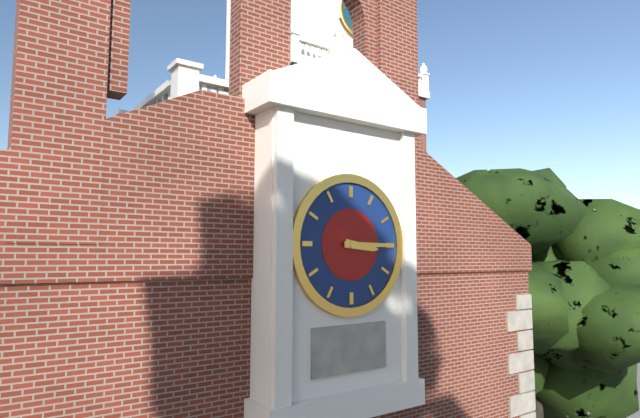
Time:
3.15
